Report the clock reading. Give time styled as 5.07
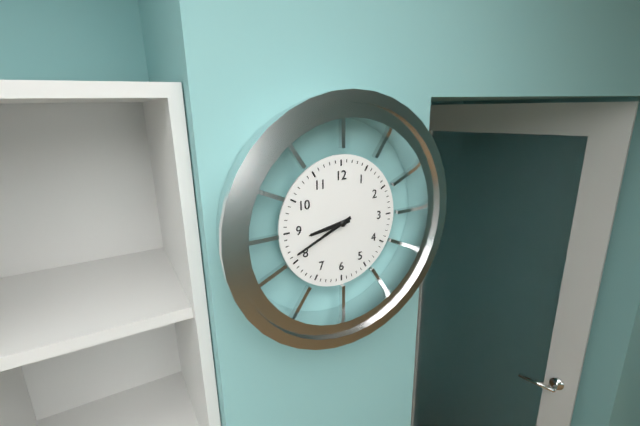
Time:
8.41
